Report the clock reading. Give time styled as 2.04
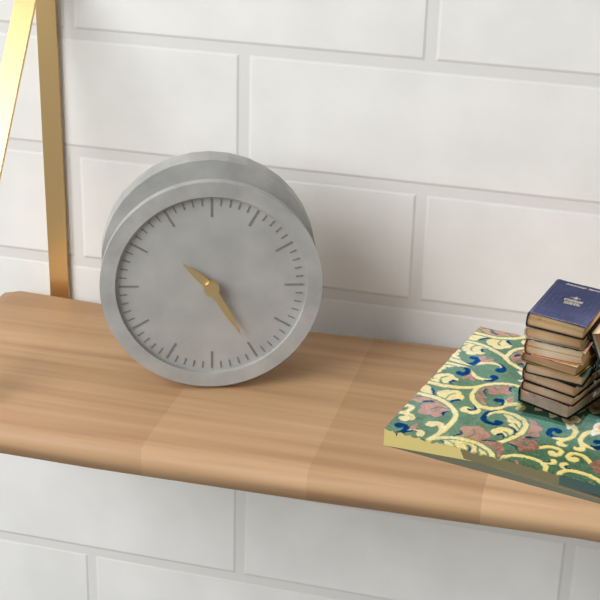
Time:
10.25
